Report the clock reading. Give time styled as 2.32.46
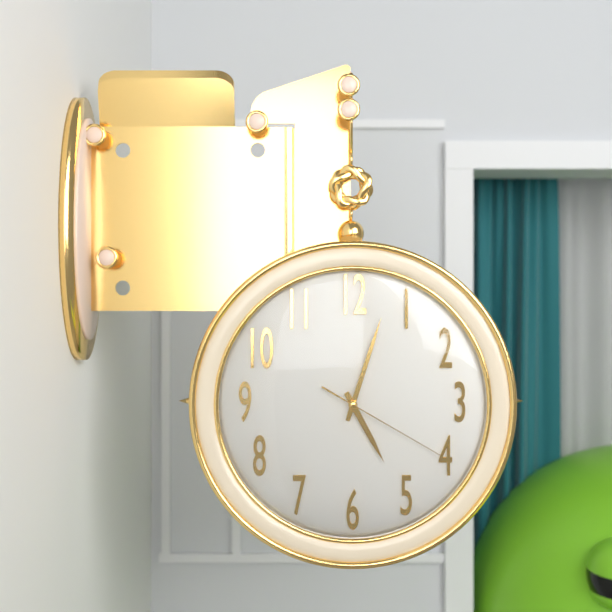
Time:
5.03.20
